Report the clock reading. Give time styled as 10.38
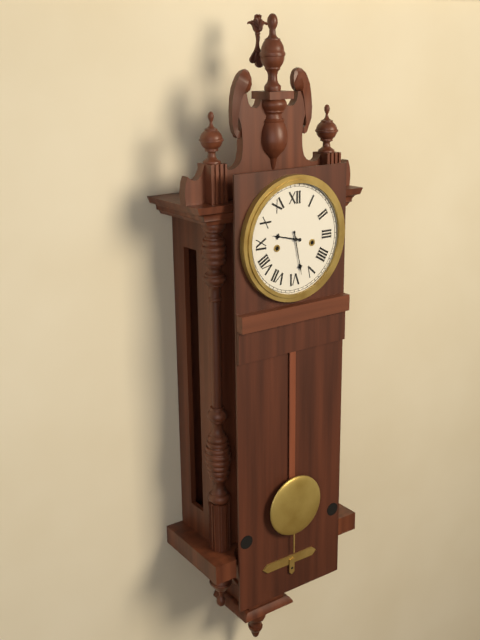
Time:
9.28
